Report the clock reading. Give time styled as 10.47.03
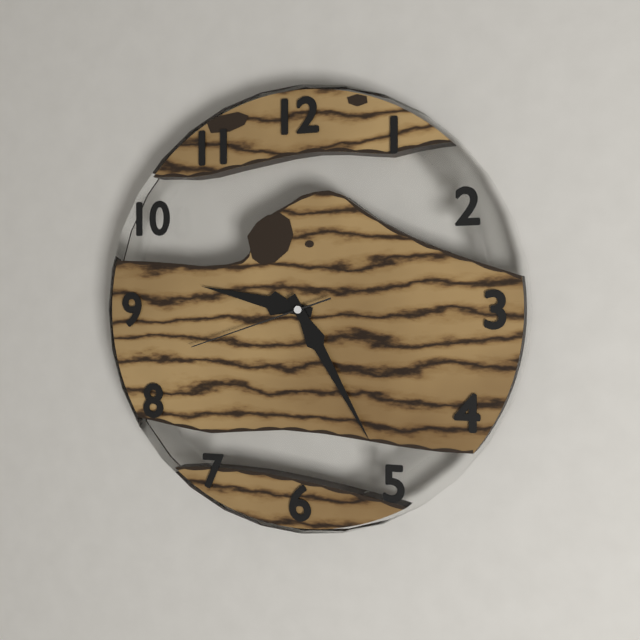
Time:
9.25.42
